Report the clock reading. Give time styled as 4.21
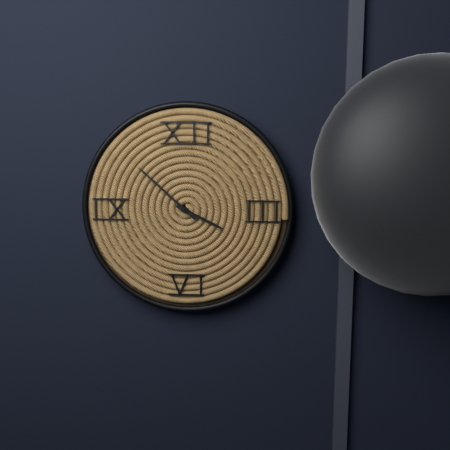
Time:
3.52
